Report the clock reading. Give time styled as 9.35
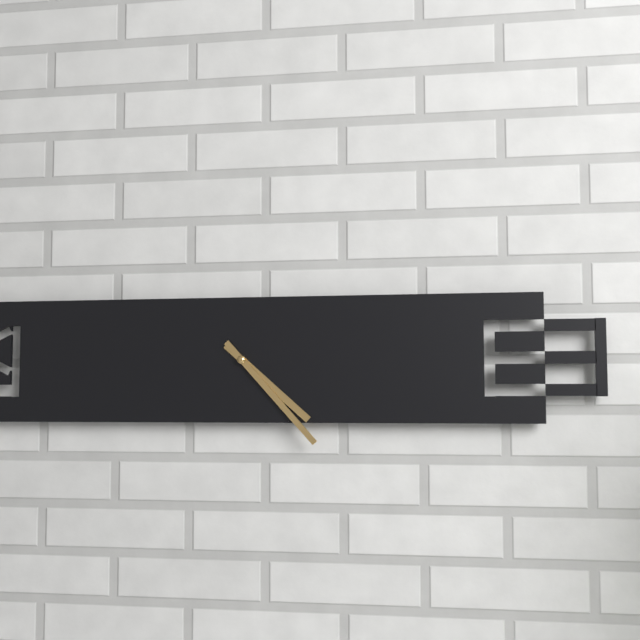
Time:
4.23
